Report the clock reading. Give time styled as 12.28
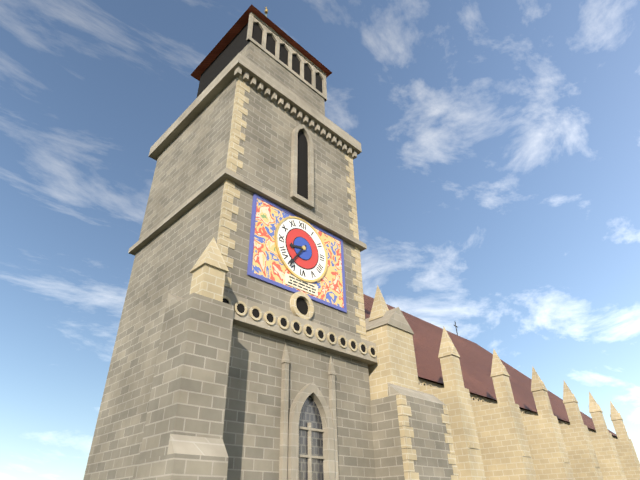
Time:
8.36
